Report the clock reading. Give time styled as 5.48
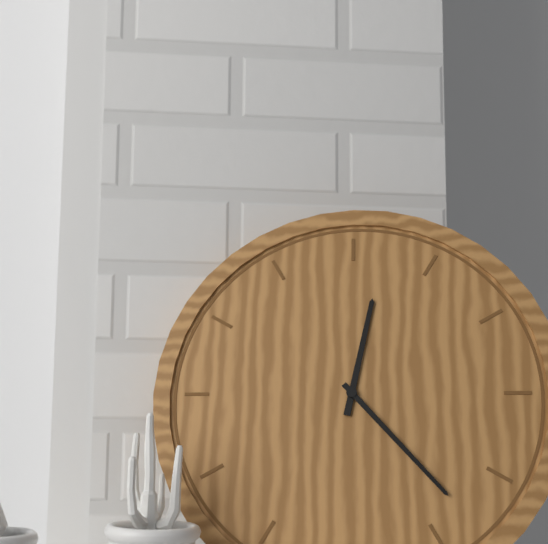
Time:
12.23
